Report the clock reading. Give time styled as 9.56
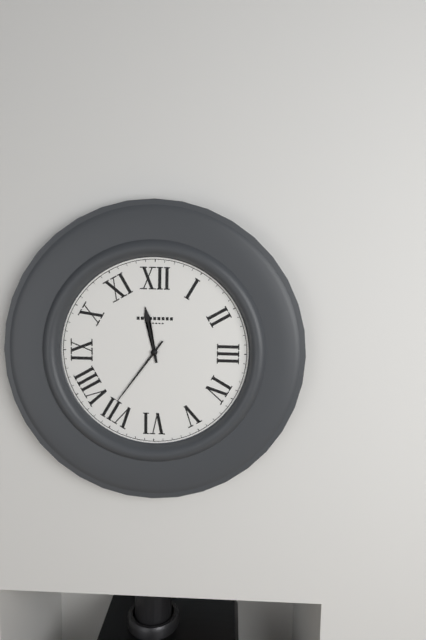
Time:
11.36
